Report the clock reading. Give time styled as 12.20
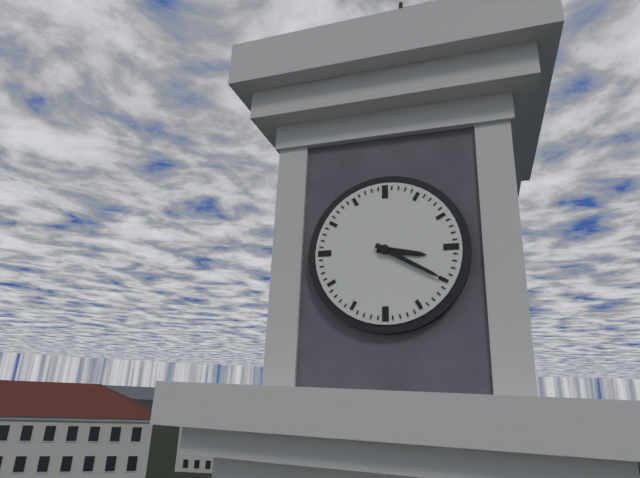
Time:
3.20
